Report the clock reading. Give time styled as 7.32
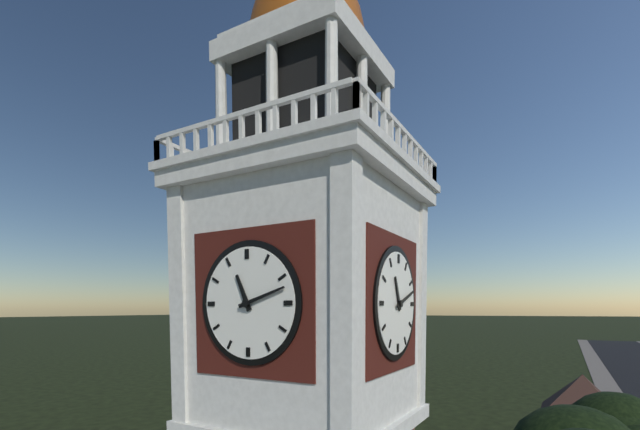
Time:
11.12
